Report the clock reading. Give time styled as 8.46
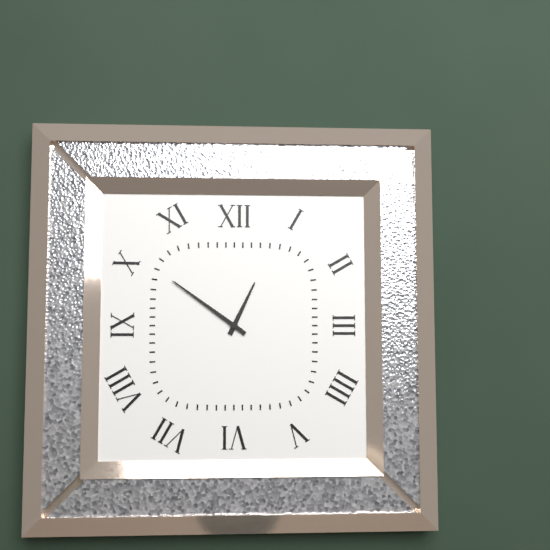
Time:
12.51
